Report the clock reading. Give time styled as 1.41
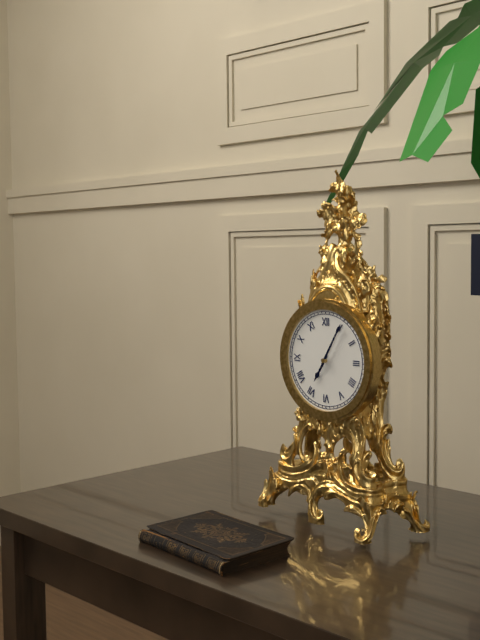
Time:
7.05
